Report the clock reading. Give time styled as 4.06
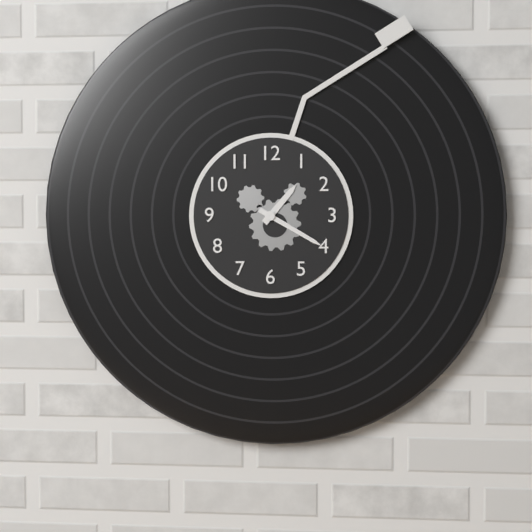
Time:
1.20
